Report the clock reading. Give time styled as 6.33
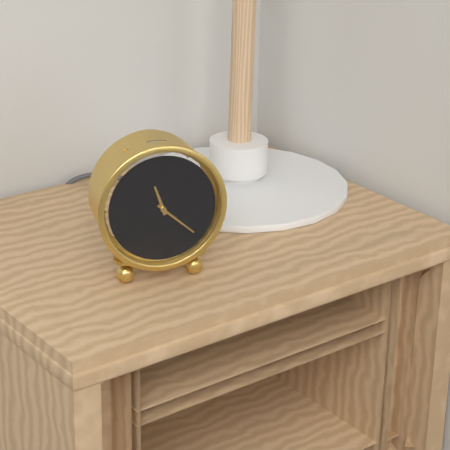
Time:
11.22
